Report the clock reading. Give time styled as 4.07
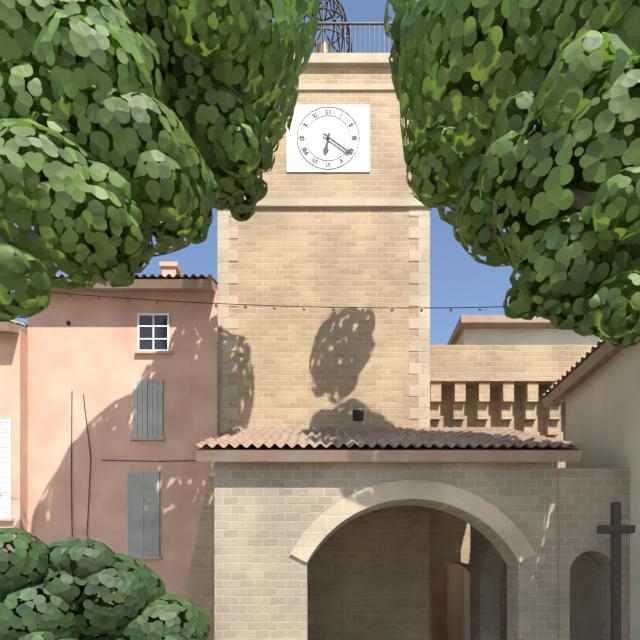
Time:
6.21
